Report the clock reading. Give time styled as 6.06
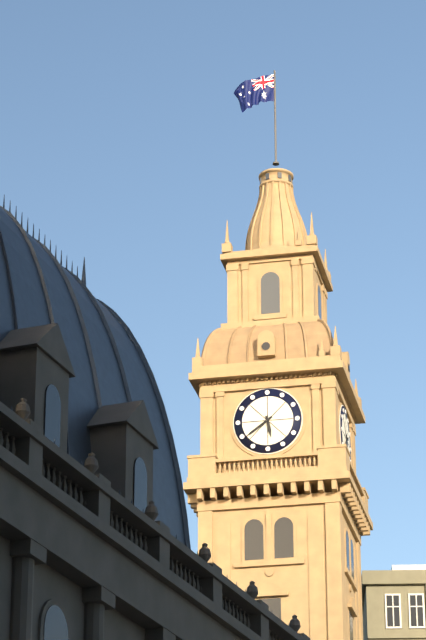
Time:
5.39
